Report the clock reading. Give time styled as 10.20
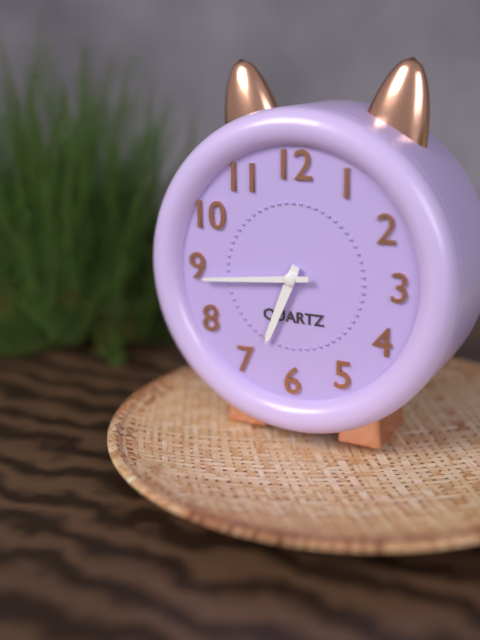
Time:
6.44
